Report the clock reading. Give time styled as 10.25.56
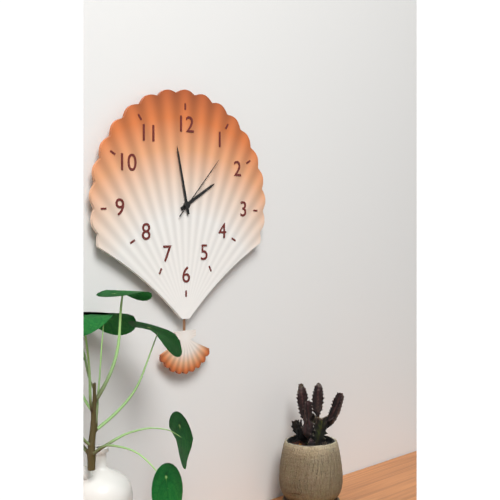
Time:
1.58.07
